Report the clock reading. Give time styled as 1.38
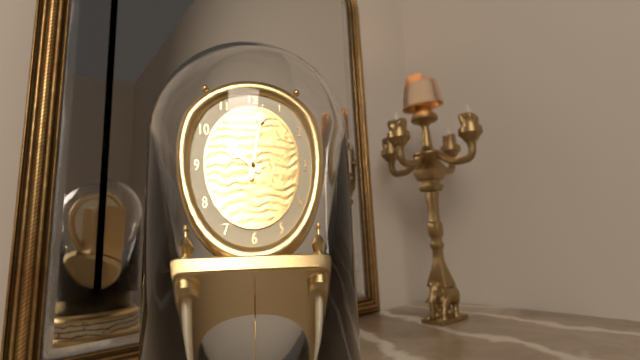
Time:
10.02
